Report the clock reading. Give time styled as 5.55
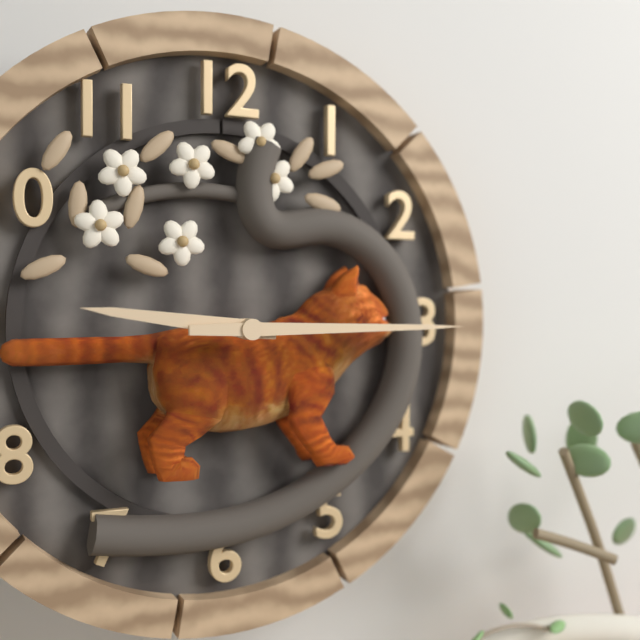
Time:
9.15
